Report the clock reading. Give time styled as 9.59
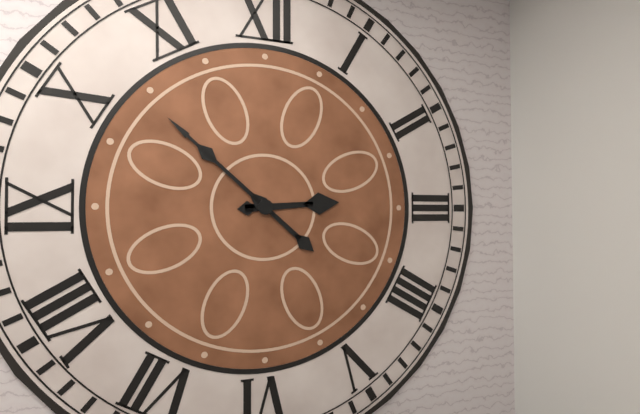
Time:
2.52
